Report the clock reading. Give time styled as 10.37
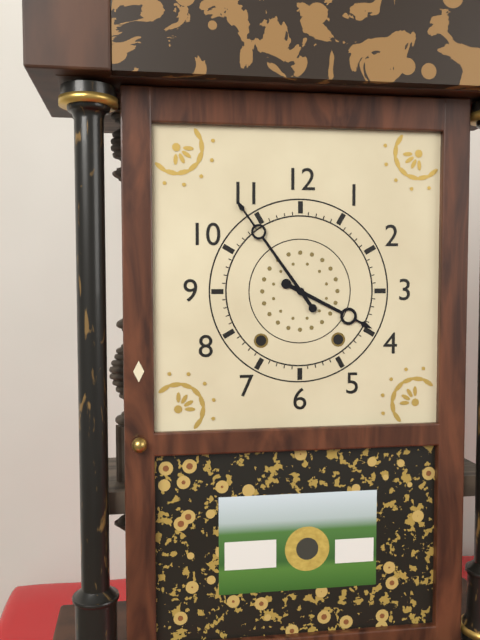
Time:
3.54
